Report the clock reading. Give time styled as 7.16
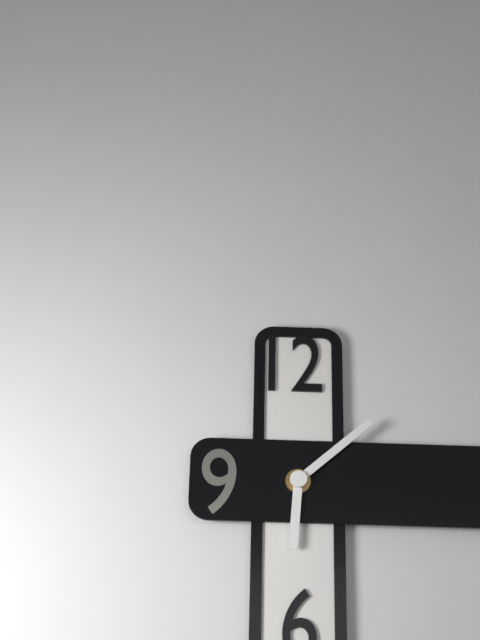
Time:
6.08
